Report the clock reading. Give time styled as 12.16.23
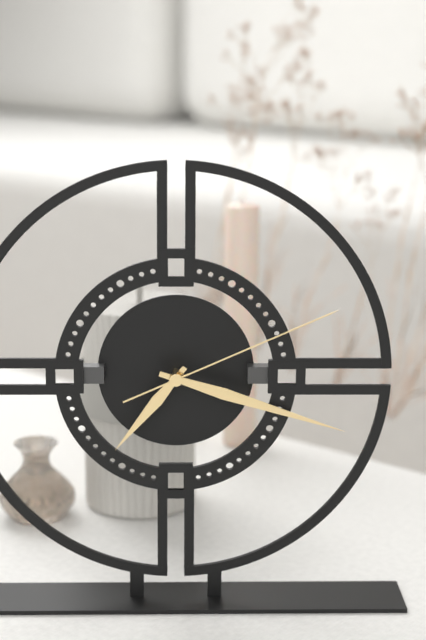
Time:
7.18.11
